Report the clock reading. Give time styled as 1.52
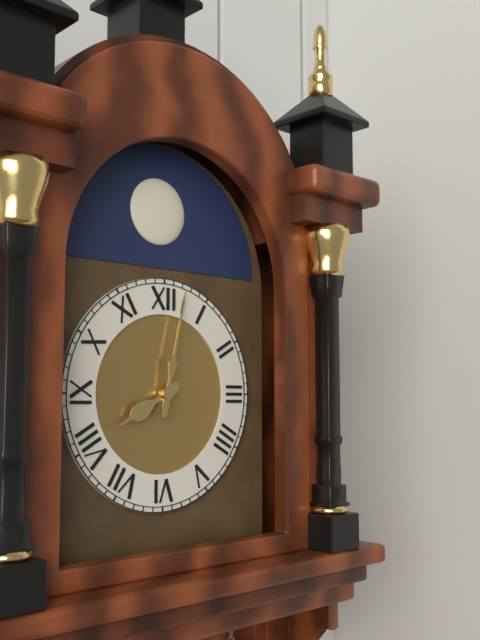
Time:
8.02
